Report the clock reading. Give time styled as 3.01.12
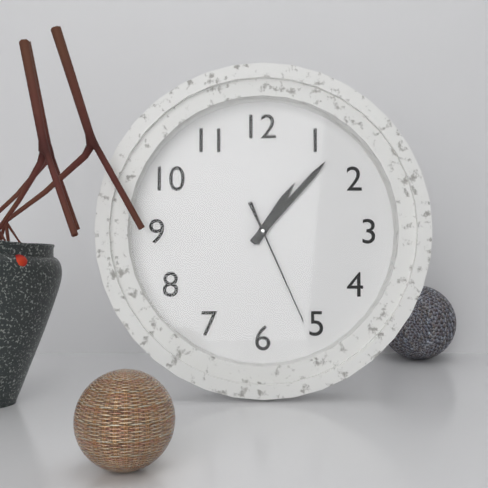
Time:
1.07.26
